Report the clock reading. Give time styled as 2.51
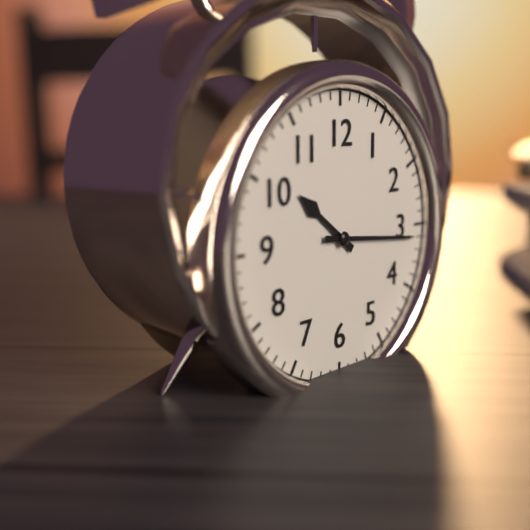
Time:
10.16
